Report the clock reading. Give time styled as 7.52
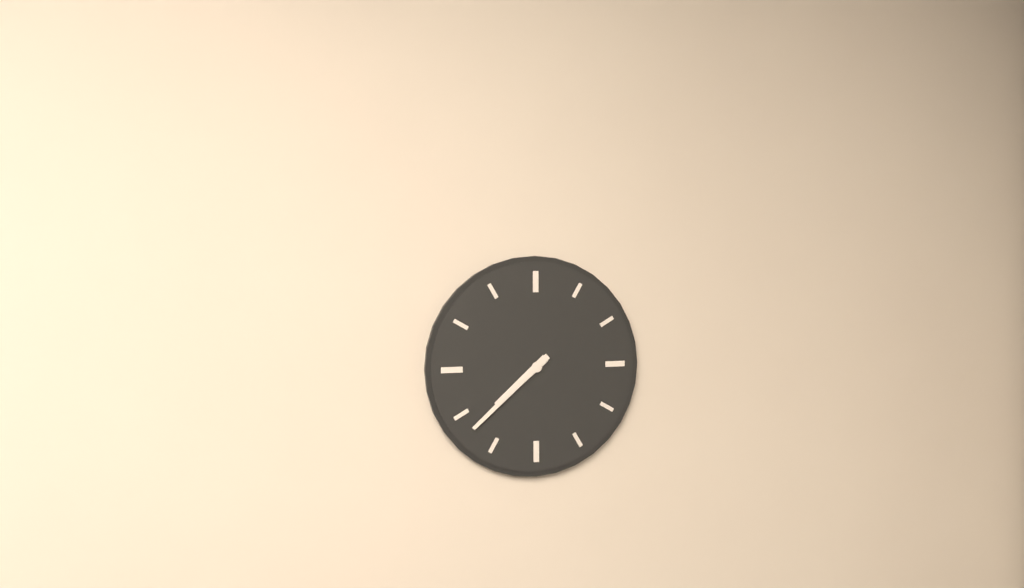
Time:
7.38
